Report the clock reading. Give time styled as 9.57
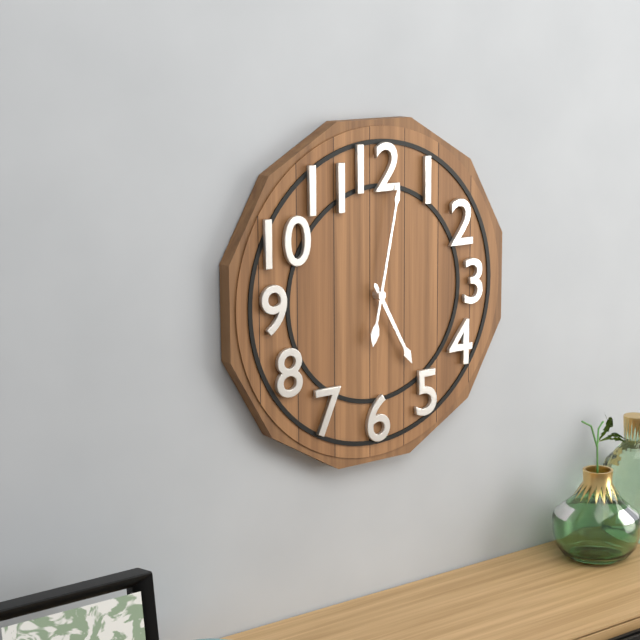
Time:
5.02
